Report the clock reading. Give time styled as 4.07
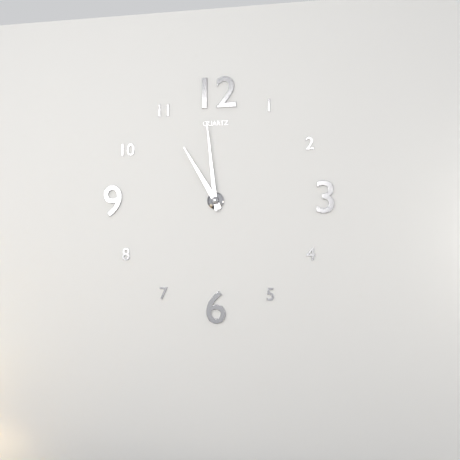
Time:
10.59
